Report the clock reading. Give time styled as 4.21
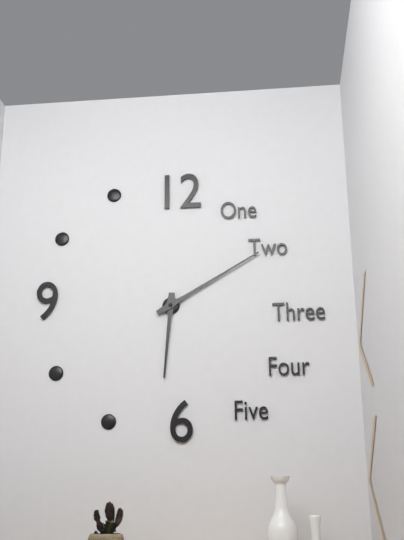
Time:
6.10
